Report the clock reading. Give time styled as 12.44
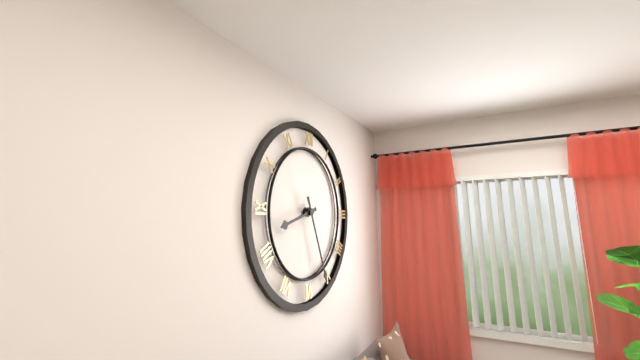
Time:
8.26
